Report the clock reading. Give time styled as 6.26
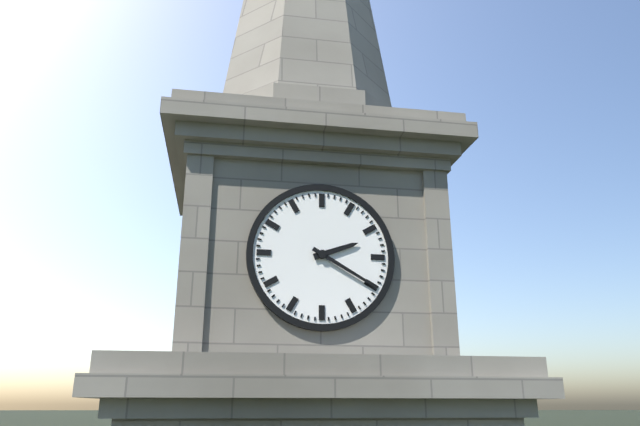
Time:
2.20
